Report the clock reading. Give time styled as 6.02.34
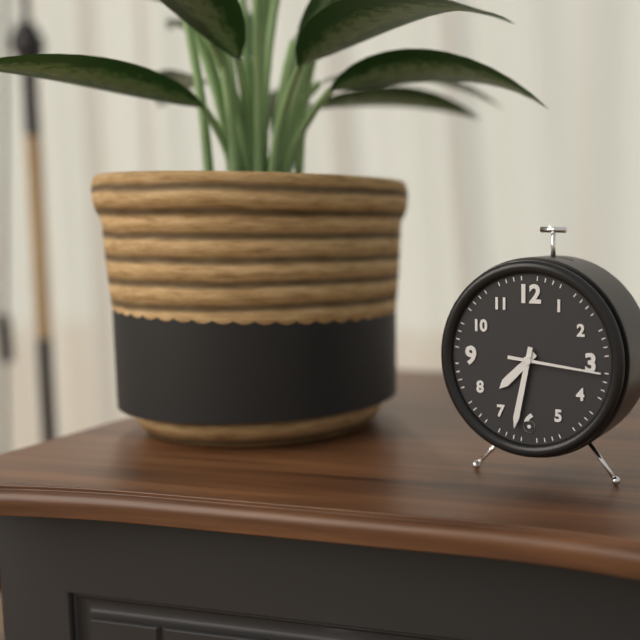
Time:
7.32.16
